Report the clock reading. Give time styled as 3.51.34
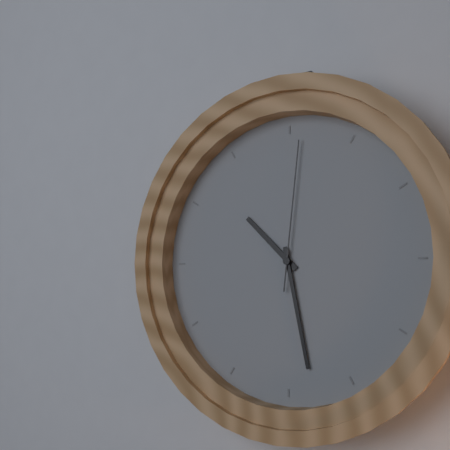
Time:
10.28.01
